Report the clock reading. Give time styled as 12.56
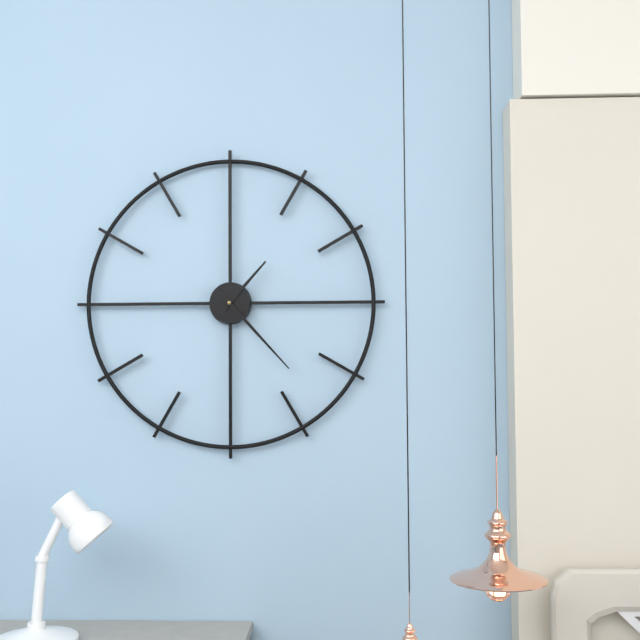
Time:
1.23
